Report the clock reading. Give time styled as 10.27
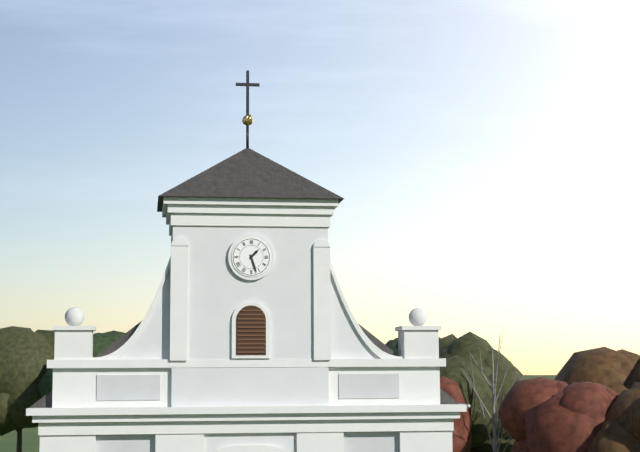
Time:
1.27
